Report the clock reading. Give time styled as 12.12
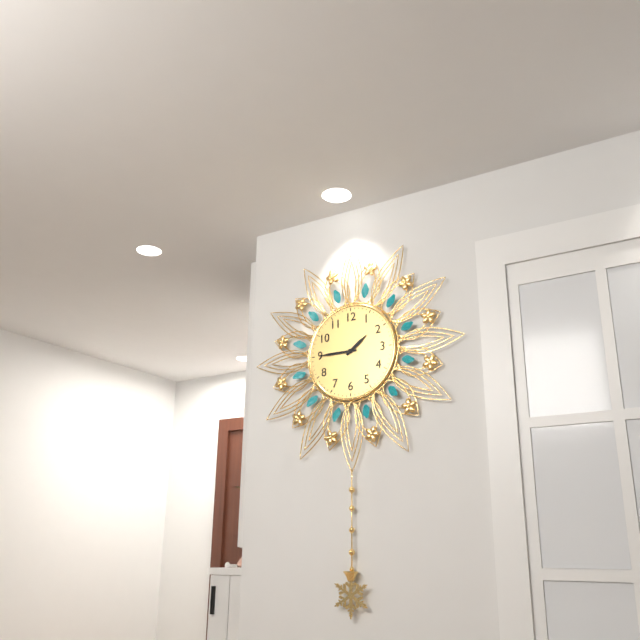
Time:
1.45
